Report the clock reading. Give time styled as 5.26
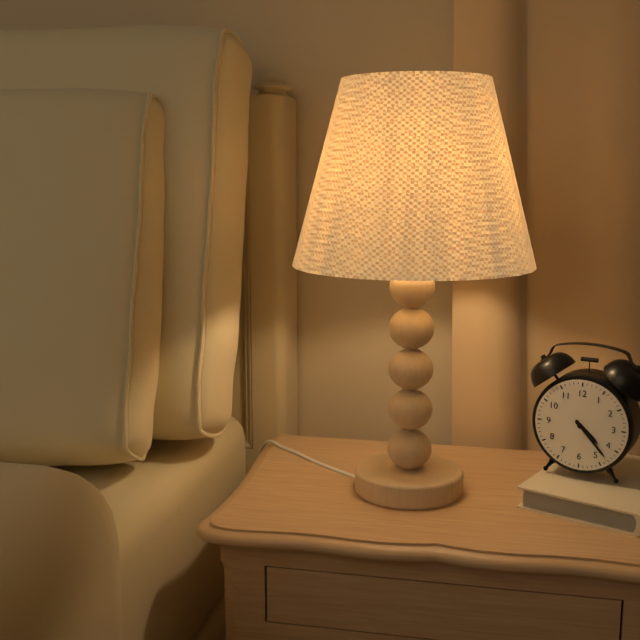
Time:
4.23
